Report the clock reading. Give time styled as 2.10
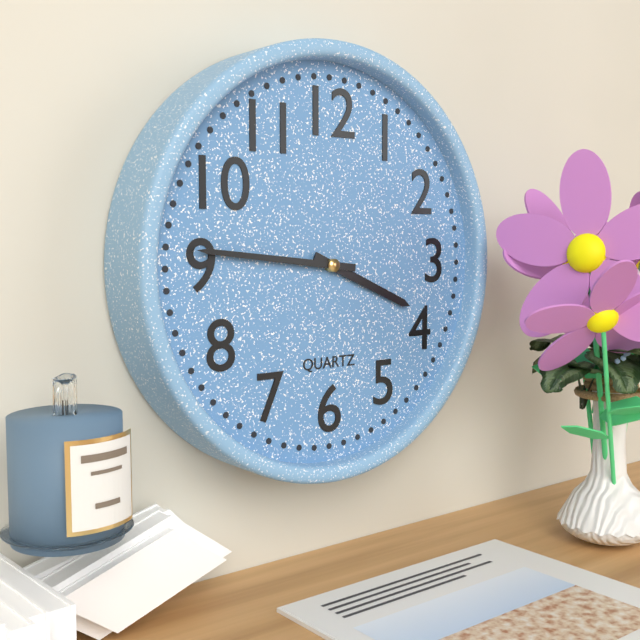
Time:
3.46
